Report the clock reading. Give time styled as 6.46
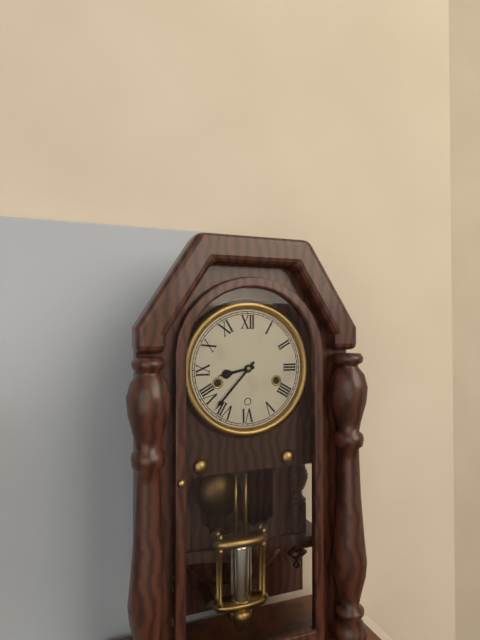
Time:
8.37
